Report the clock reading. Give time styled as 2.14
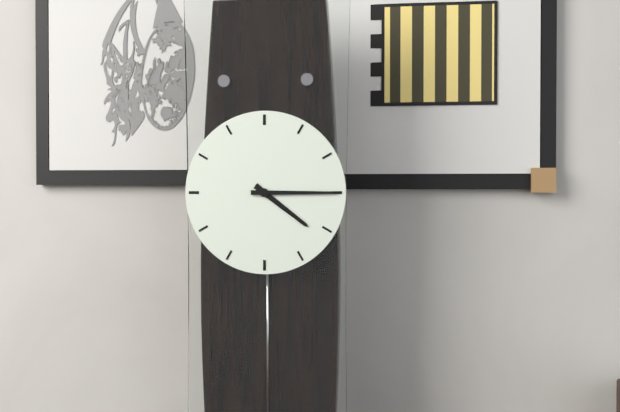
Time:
4.15
